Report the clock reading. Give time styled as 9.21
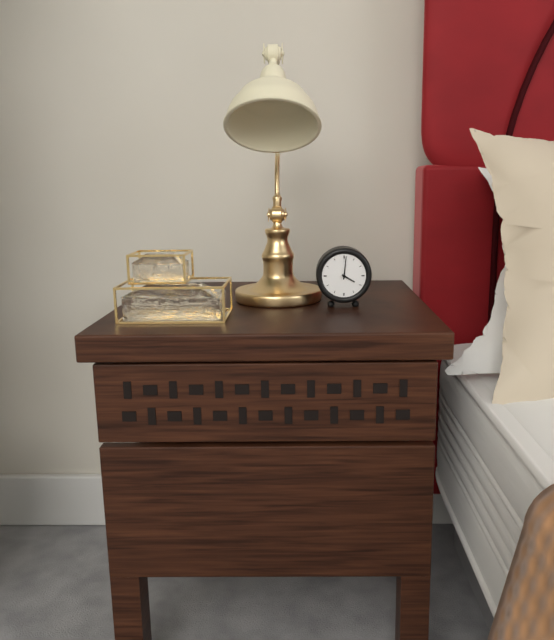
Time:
4.01
